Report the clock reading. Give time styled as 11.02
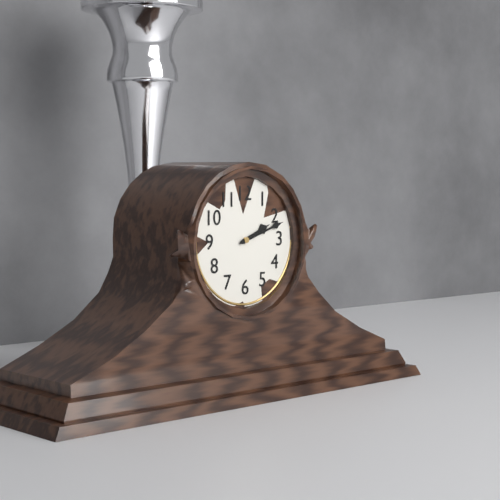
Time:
2.12
